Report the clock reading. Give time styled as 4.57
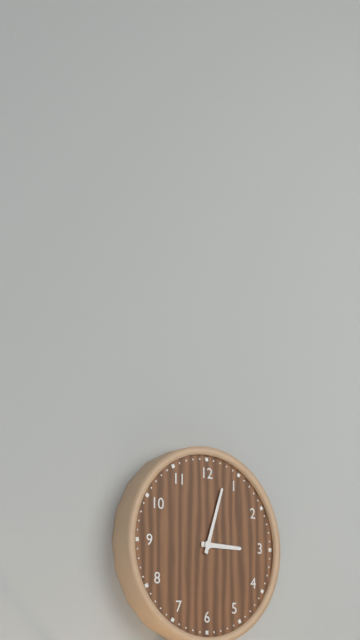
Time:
3.03
